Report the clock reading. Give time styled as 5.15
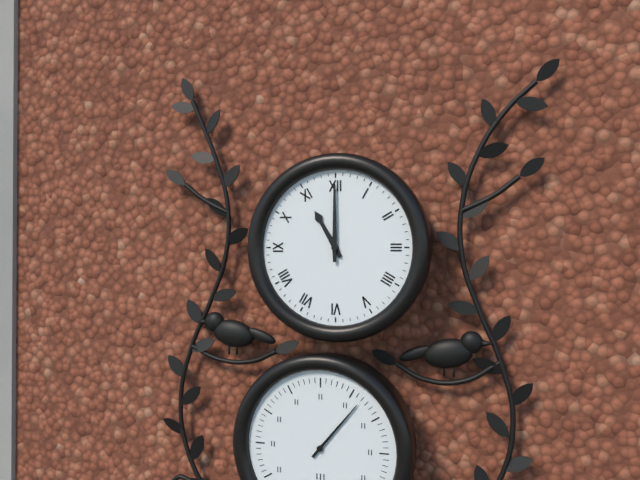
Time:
11.00
